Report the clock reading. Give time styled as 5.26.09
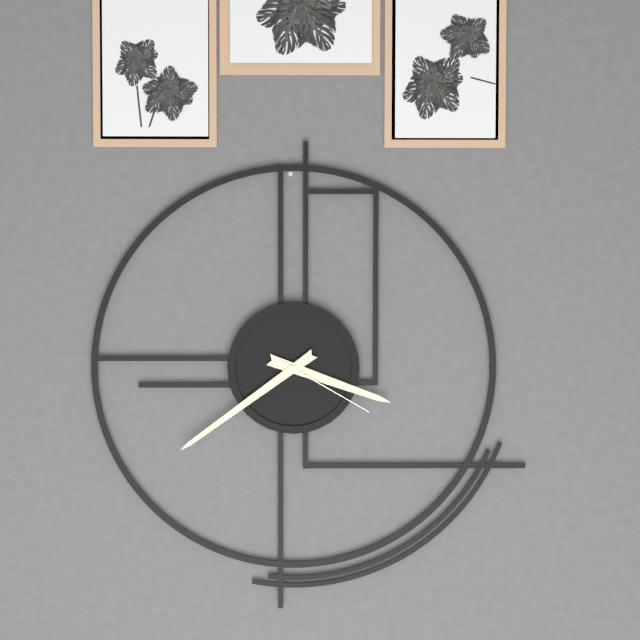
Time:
3.39.20
